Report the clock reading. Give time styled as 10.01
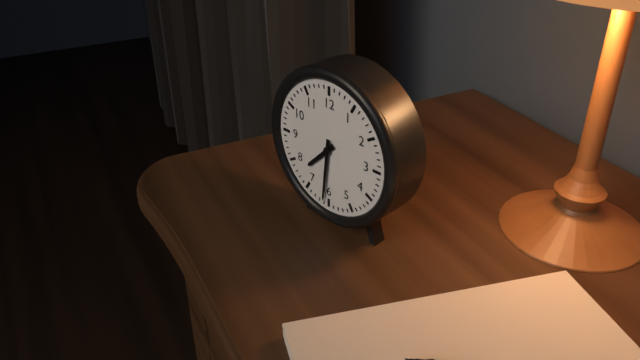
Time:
7.31
